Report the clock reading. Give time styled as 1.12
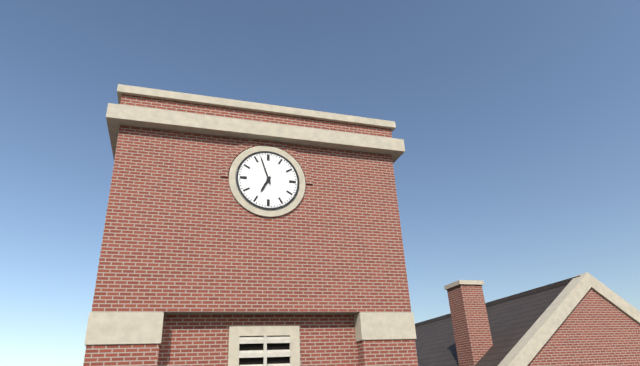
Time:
6.57
